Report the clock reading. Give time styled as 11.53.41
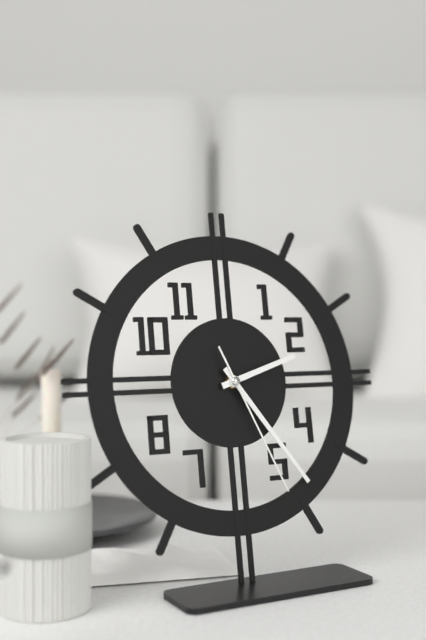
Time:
2.24.26
